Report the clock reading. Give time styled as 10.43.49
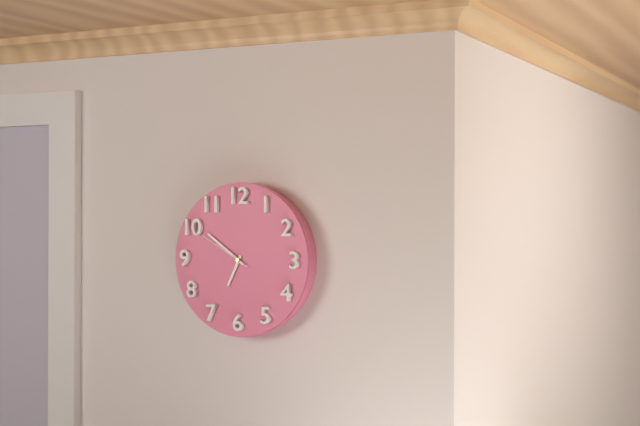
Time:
6.51.50
